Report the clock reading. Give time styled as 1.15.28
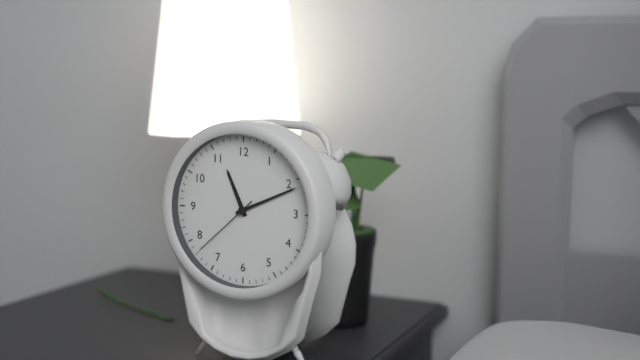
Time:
11.11.38
